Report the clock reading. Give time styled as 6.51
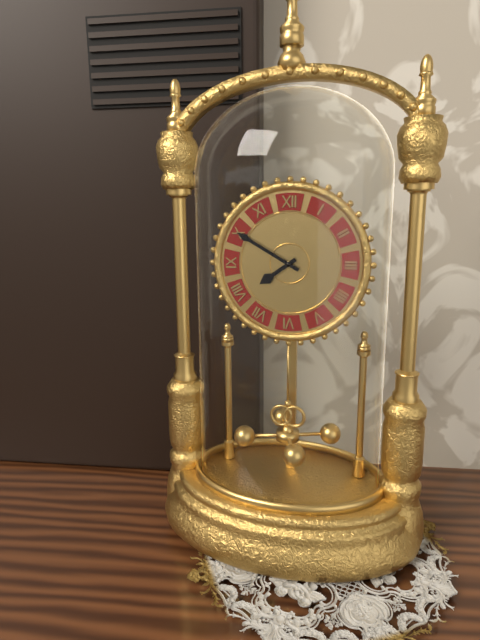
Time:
7.50
